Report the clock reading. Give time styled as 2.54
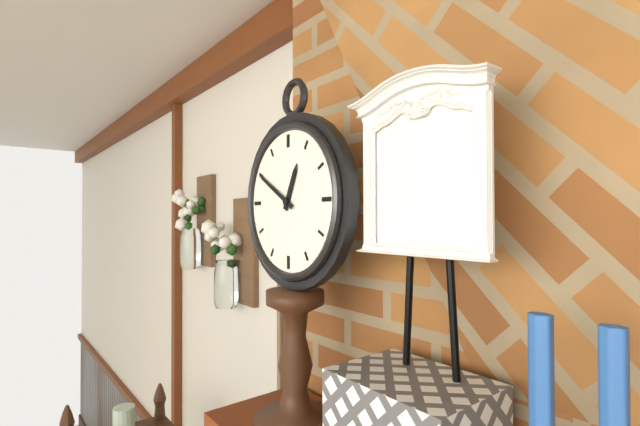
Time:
12.50
